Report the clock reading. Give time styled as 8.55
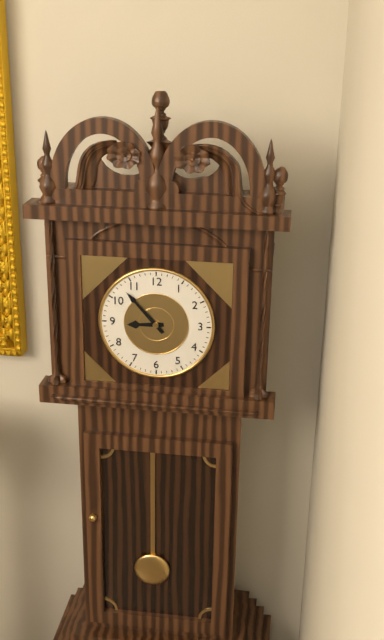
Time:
8.53
